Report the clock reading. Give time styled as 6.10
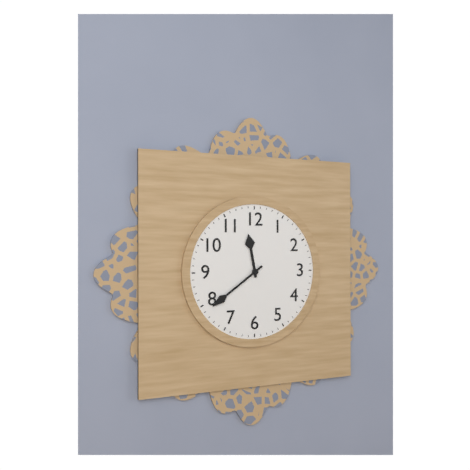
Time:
11.39
